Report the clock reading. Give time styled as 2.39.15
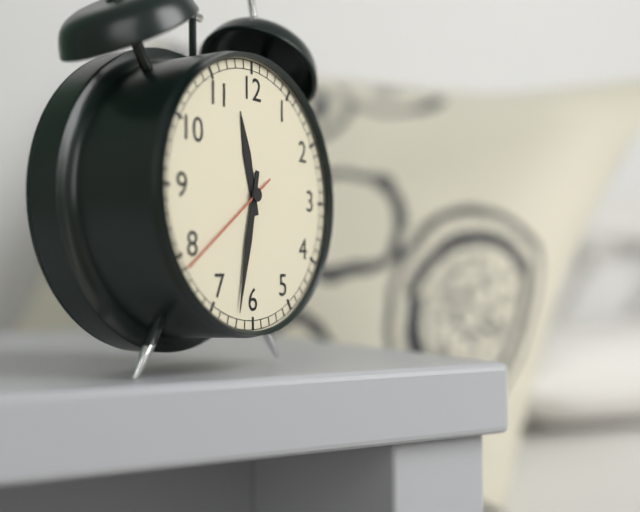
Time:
11.32.39
